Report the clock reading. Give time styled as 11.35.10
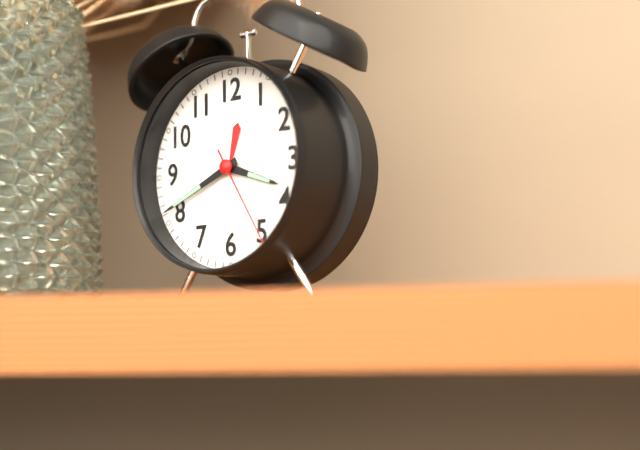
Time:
3.41.25
